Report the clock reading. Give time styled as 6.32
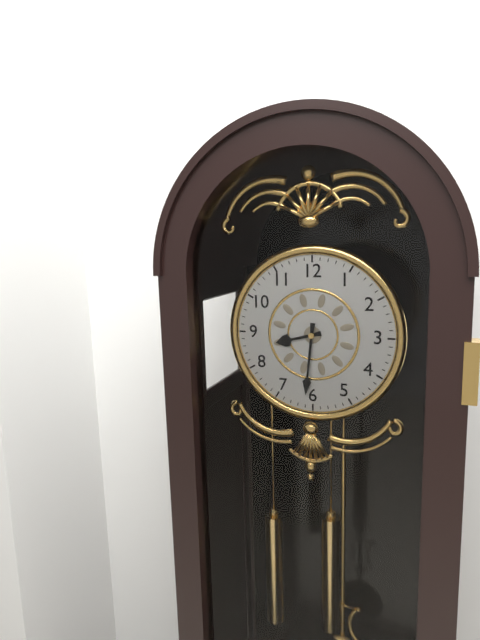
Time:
8.31
